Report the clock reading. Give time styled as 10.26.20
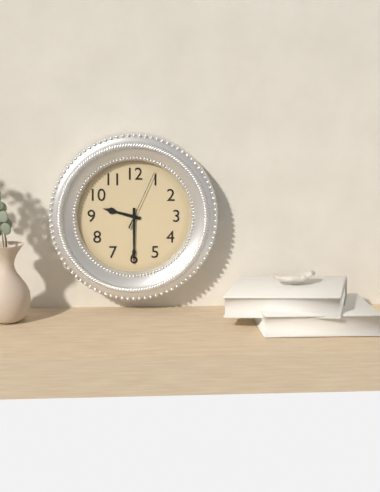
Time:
9.30.04
